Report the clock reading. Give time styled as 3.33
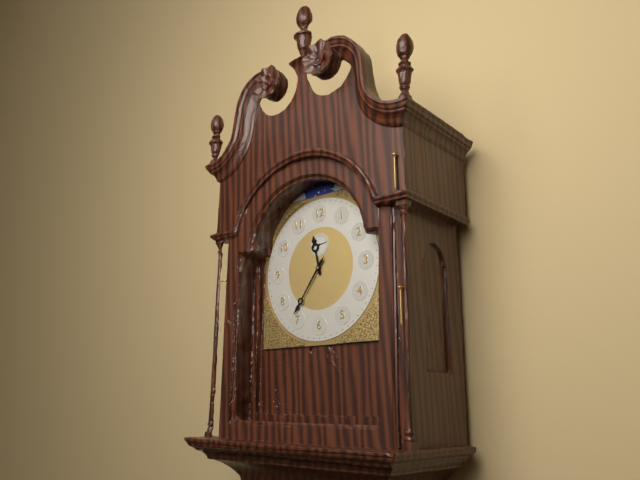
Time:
11.36
